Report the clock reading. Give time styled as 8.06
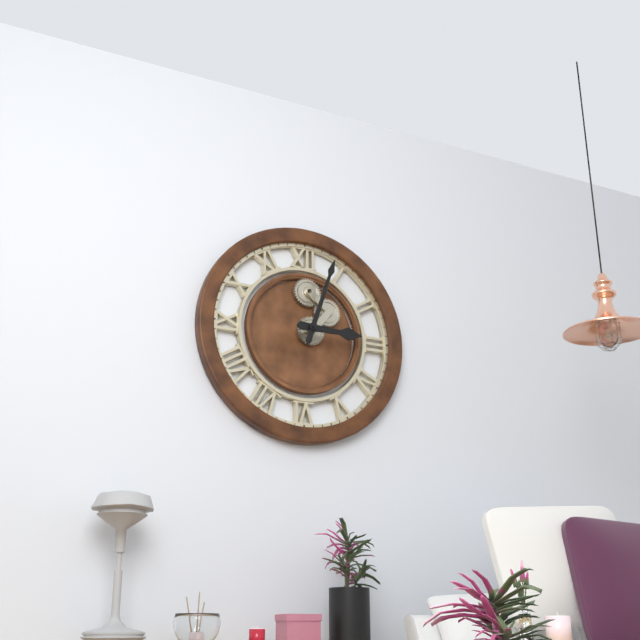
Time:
3.03
